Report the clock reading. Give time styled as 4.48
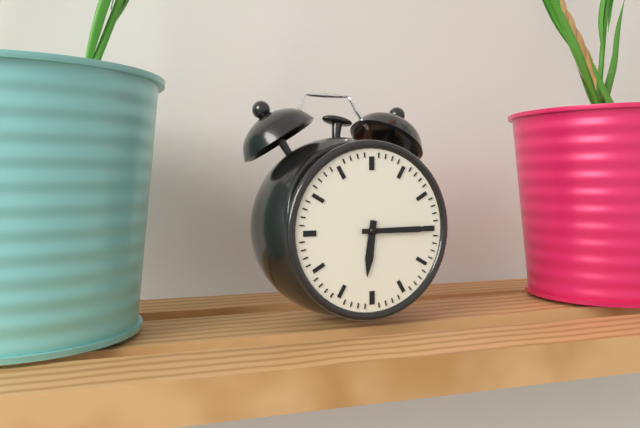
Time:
6.15
